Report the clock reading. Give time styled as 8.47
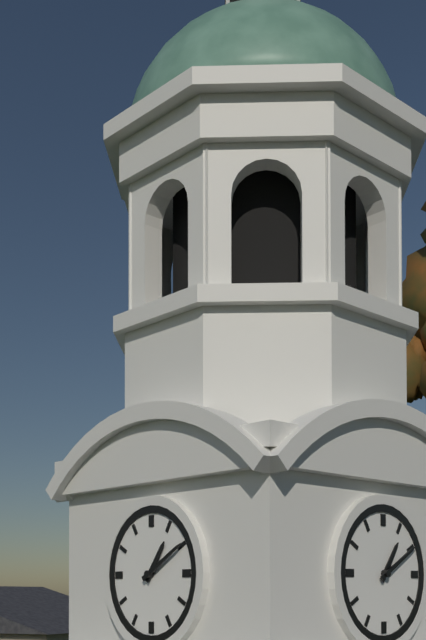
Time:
1.10
